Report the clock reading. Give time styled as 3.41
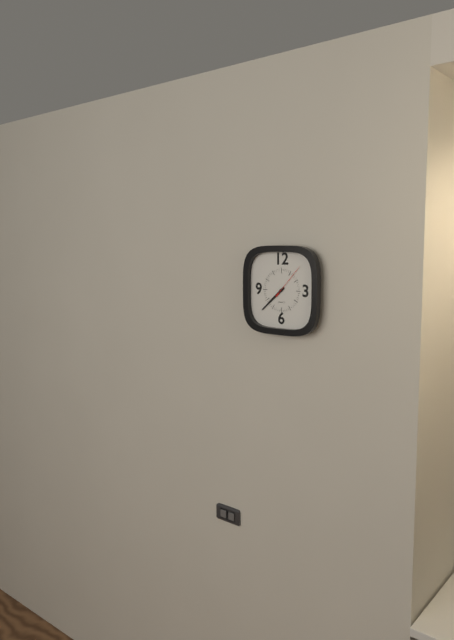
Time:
7.38
